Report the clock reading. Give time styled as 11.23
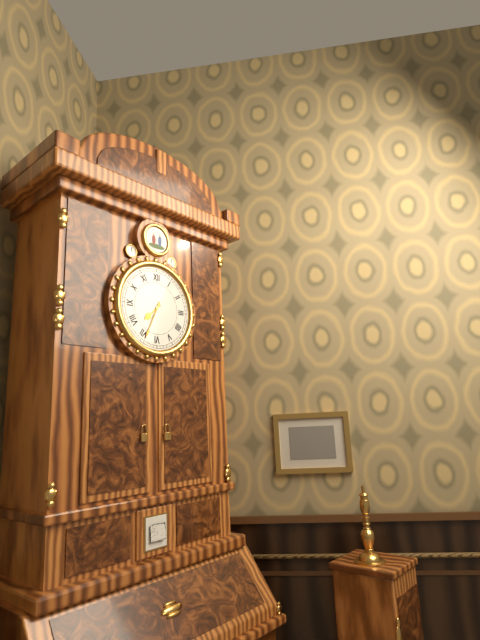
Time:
7.34
